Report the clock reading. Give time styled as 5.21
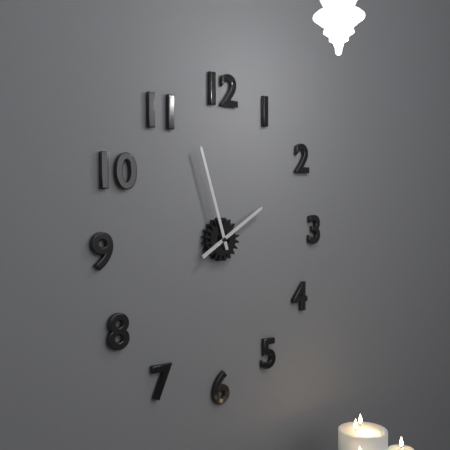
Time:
1.57
